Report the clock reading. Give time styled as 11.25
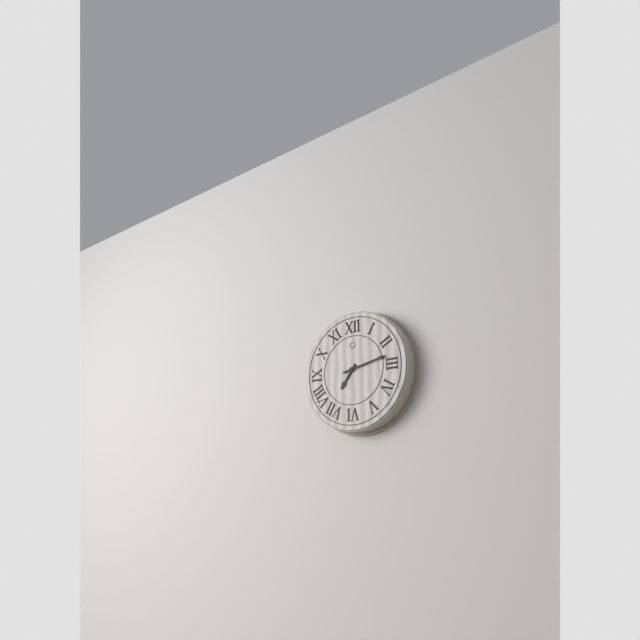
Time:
7.13
